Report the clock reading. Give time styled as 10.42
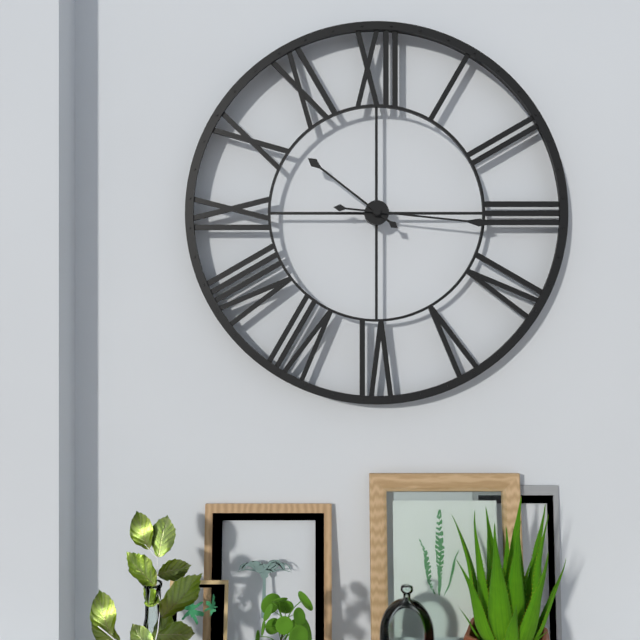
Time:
10.16
